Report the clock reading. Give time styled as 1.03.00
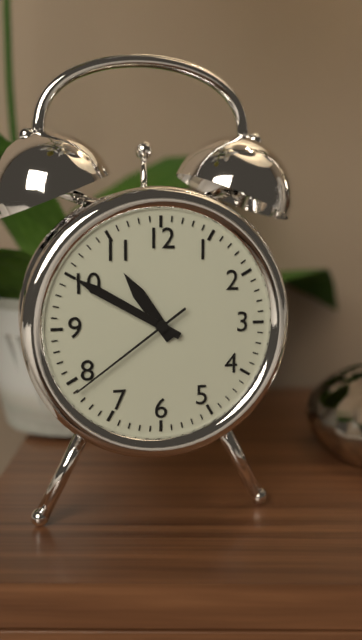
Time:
10.50.39
